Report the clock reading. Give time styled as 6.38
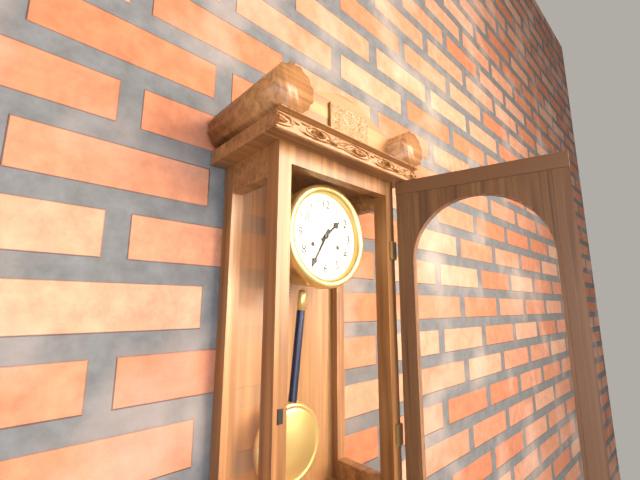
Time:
1.35
